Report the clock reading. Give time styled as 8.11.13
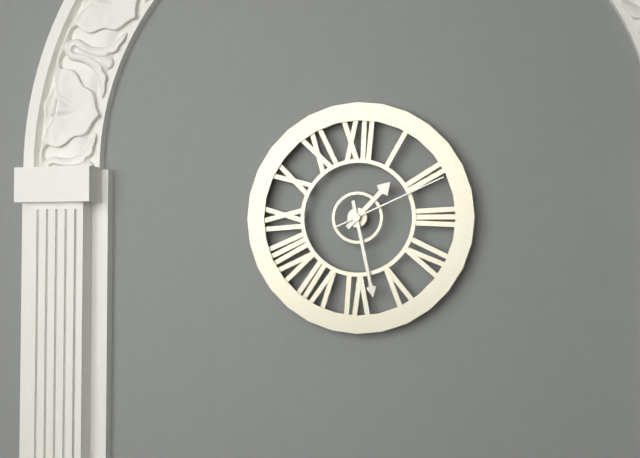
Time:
1.28.11
